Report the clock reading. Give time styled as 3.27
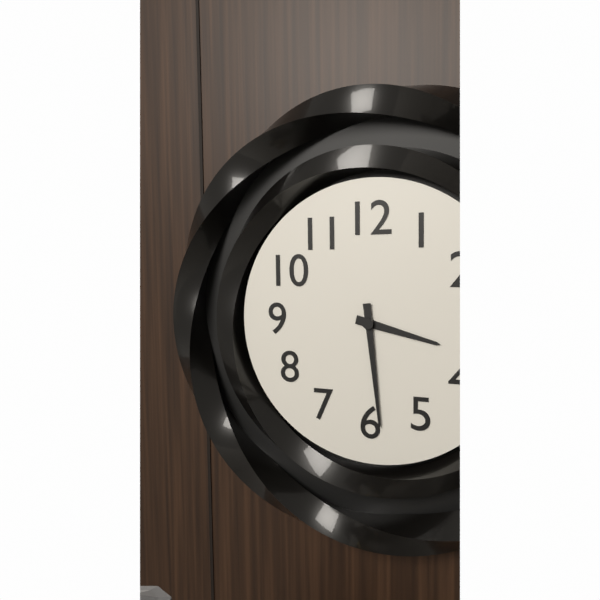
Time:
3.29
